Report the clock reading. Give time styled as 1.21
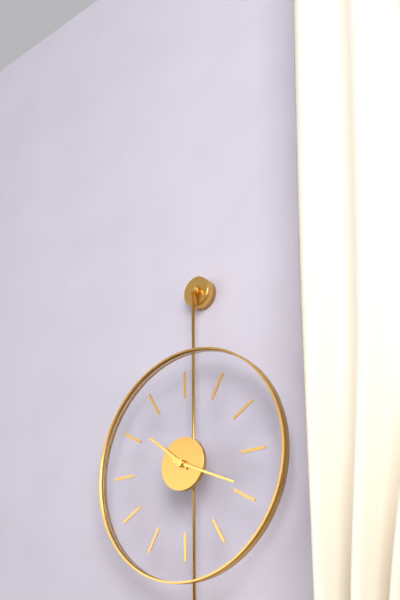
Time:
10.19
